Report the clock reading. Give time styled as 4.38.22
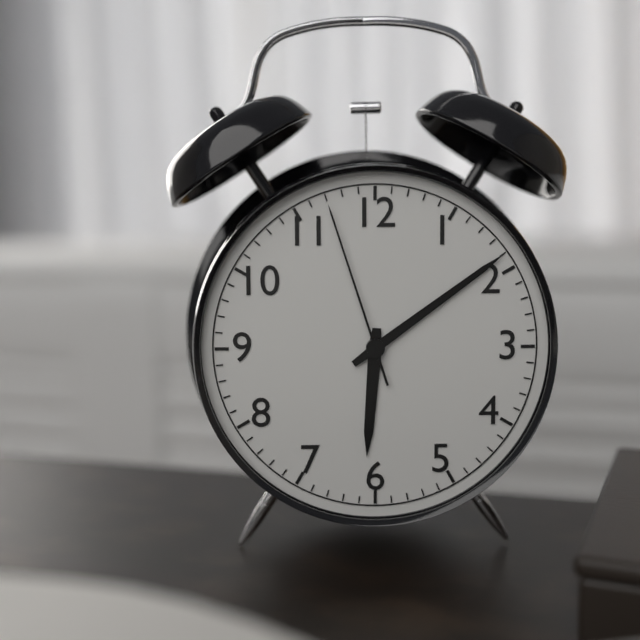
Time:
6.09.57
